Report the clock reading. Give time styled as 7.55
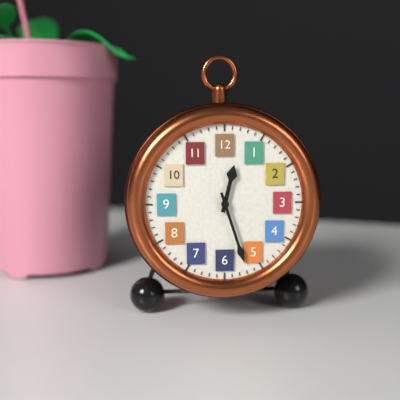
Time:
12.27
